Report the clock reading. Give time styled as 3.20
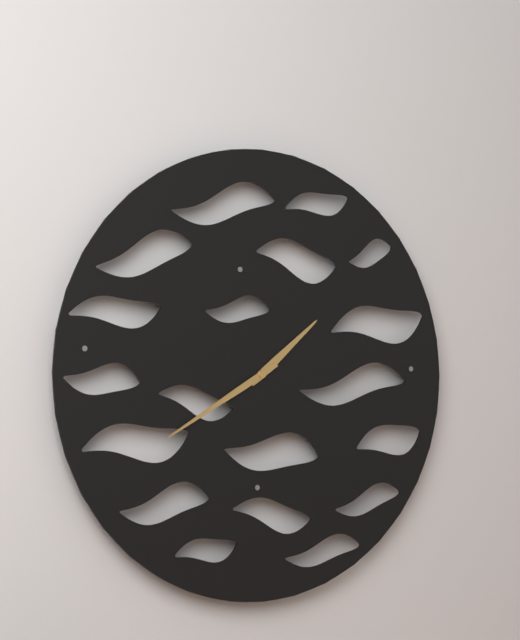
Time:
1.40
